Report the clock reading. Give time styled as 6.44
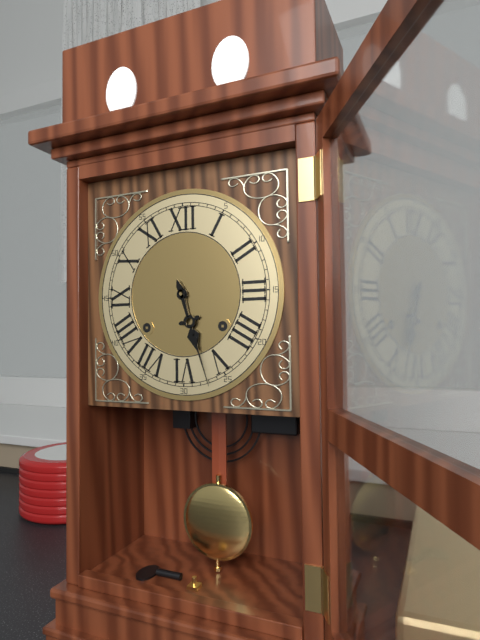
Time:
5.27
